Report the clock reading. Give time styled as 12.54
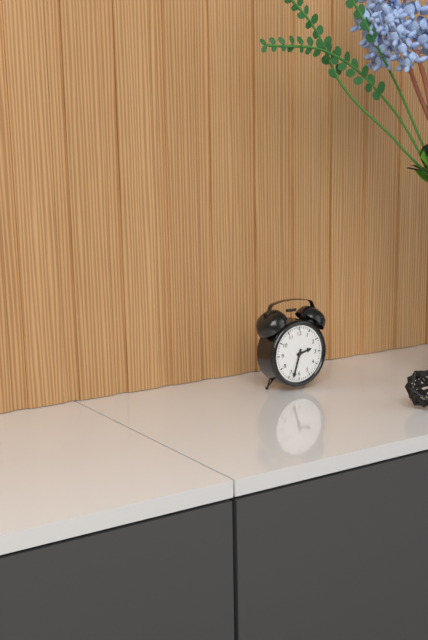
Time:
2.33
